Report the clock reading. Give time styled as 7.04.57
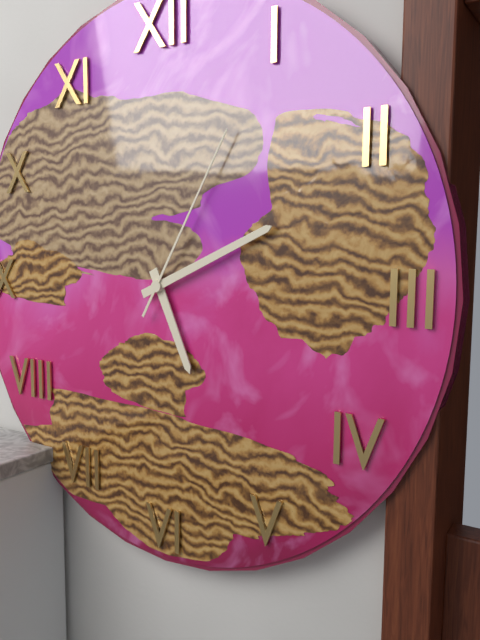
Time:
5.11.05
